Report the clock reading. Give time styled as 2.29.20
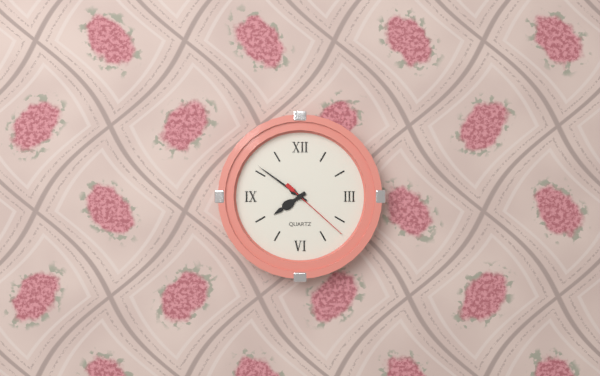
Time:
7.51.22
